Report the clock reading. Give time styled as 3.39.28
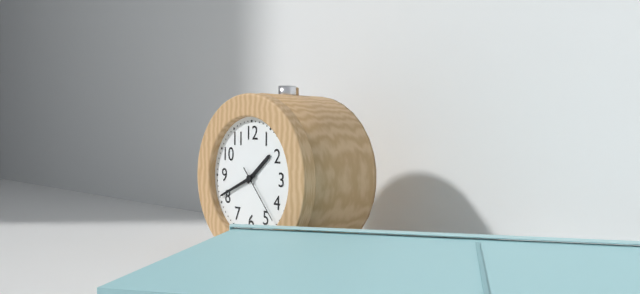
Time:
1.41.23
